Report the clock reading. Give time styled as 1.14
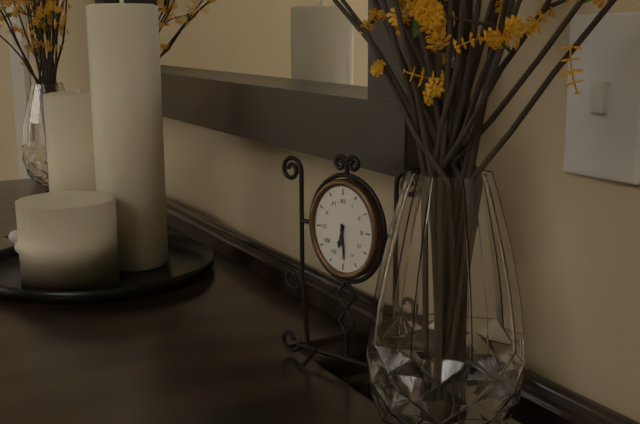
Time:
6.29
